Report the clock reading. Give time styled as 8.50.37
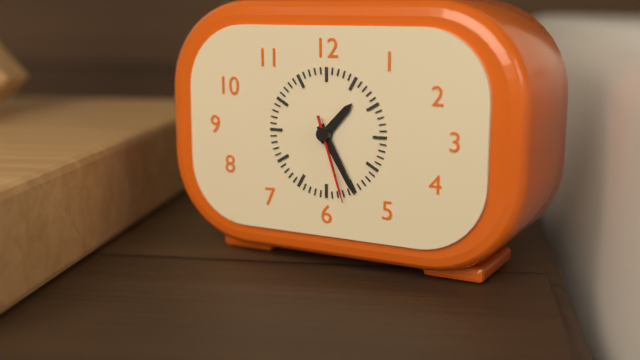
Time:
1.25.27
